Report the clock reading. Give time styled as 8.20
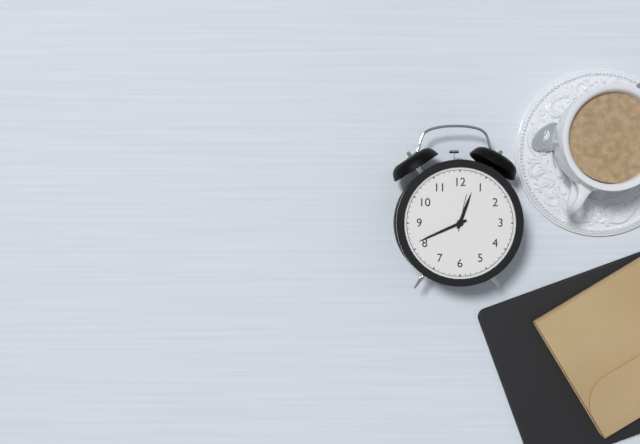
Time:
12.41
